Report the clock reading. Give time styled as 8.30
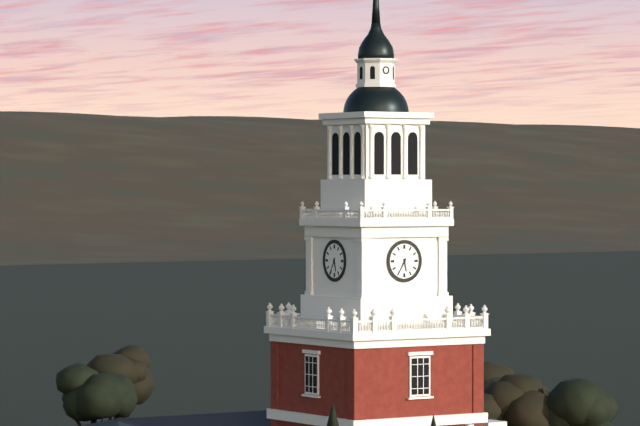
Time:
5.35
